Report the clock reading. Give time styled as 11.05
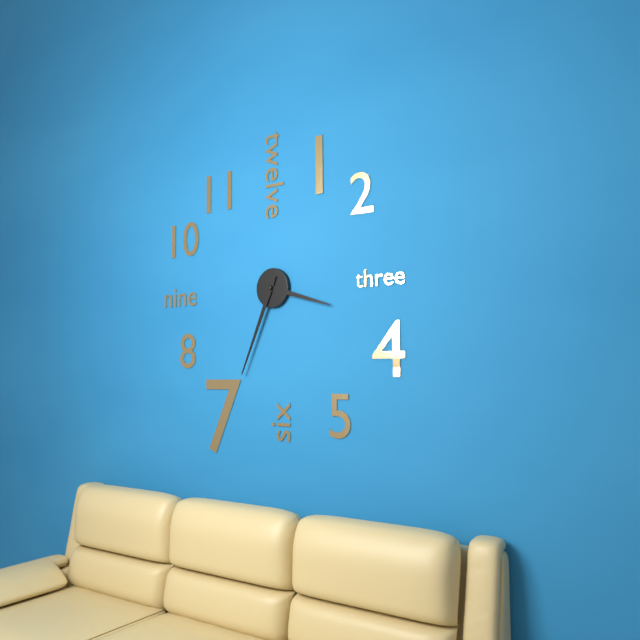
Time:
3.34
